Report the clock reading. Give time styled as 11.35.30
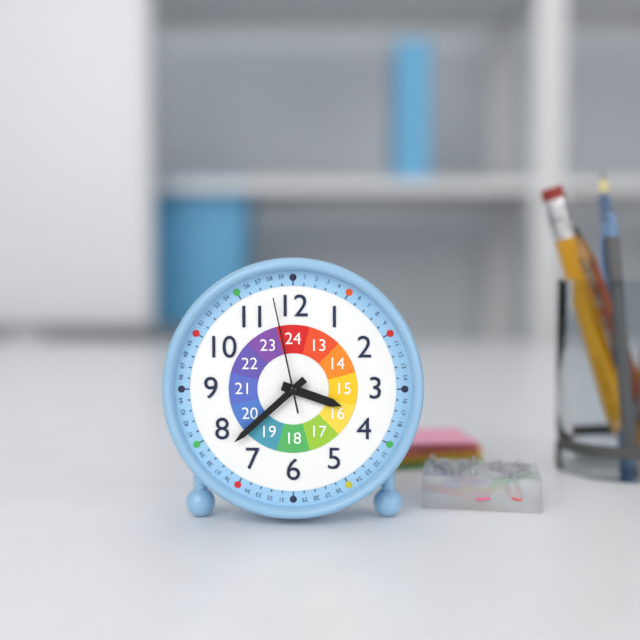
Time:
3.38.58
